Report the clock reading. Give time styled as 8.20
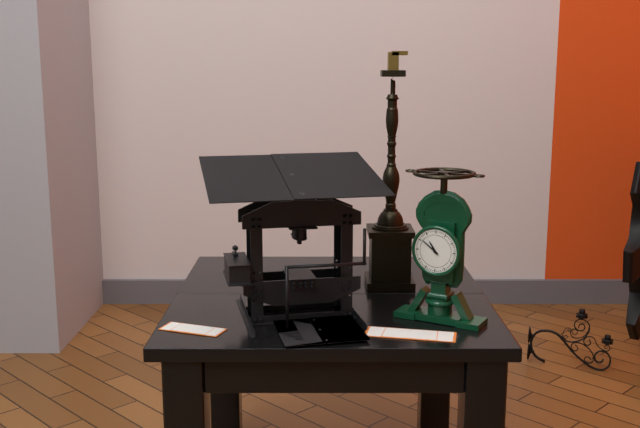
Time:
10.51
